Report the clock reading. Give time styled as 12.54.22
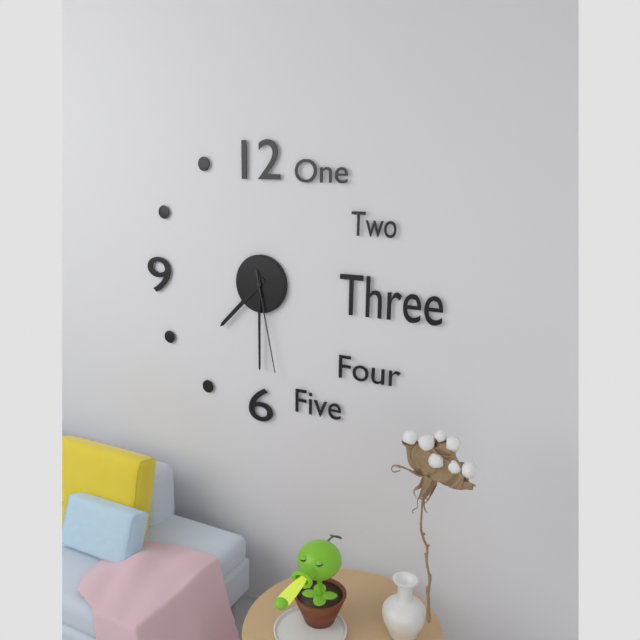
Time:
7.30.28
